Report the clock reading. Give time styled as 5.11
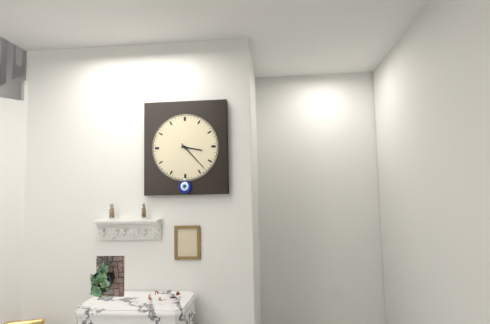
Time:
3.23
